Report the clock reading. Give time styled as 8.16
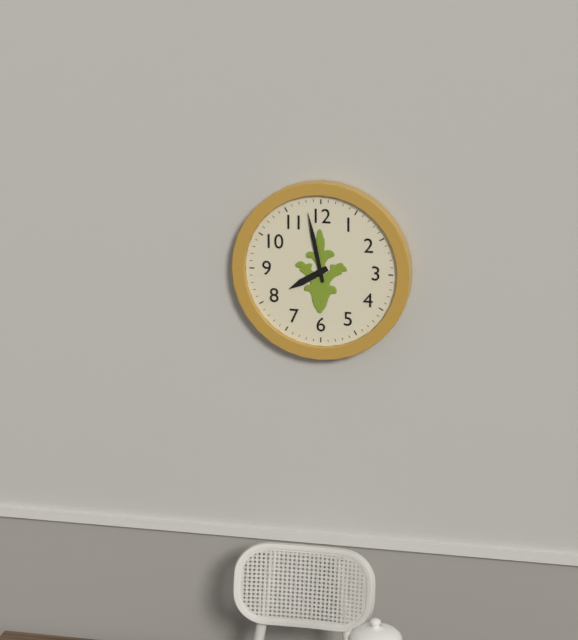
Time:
7.58
